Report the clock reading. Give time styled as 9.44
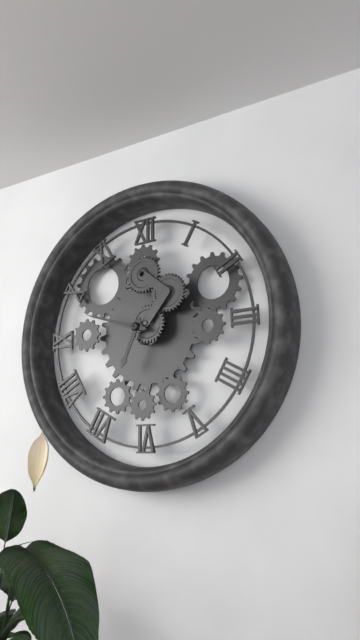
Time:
6.48
